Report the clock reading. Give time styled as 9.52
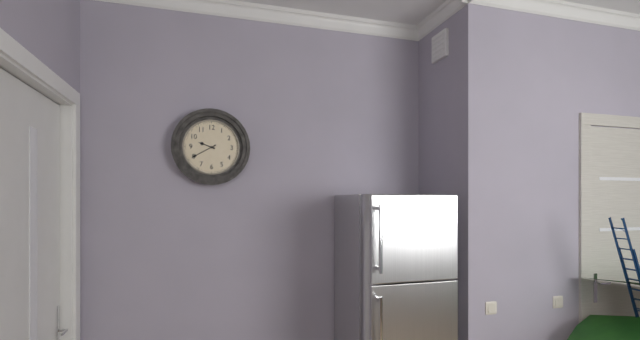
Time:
9.40
